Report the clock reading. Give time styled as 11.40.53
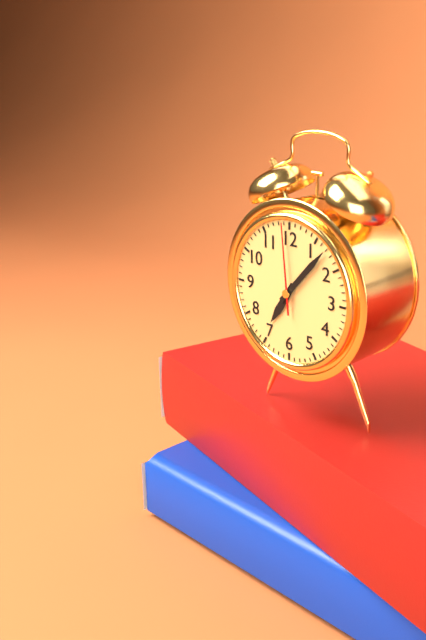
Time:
7.07.59
